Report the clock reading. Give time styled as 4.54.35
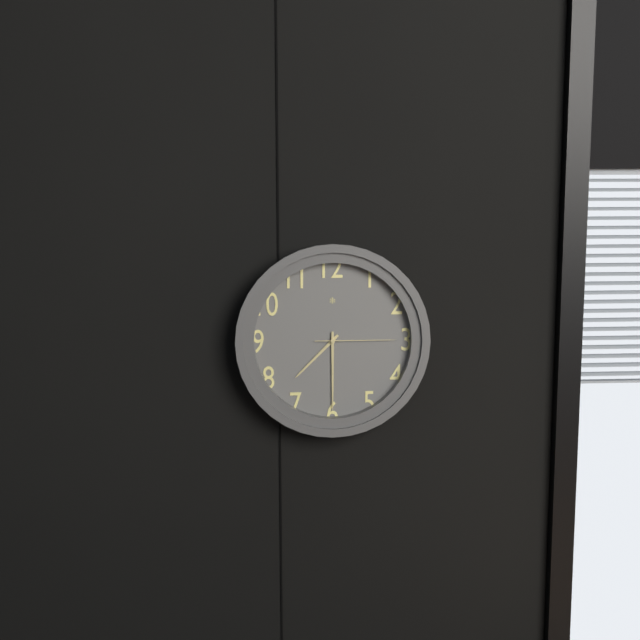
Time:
7.30.15
